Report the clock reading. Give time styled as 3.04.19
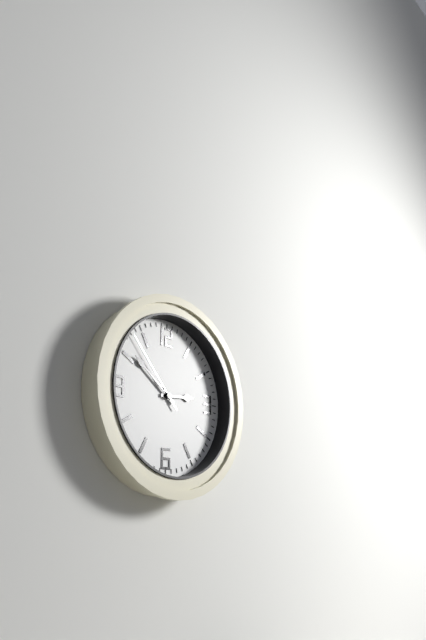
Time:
2.51.53
